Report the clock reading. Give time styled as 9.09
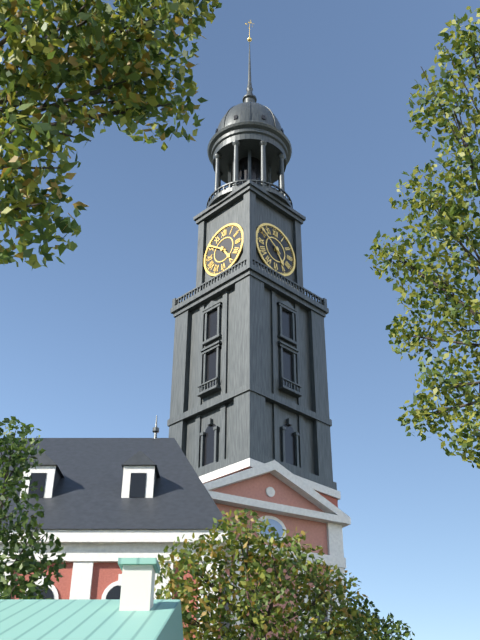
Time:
4.51
